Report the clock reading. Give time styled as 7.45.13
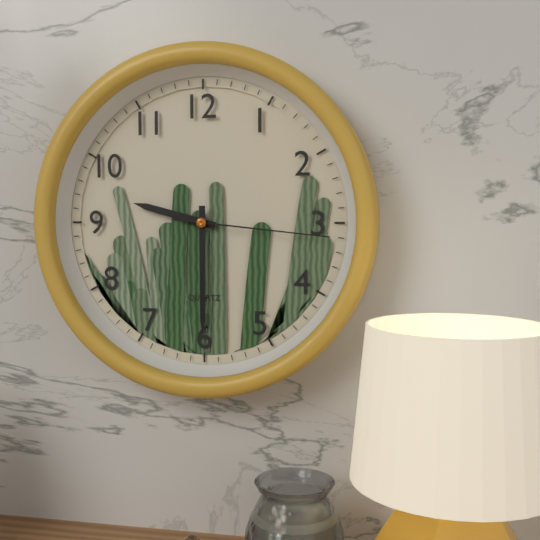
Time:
9.30.16
